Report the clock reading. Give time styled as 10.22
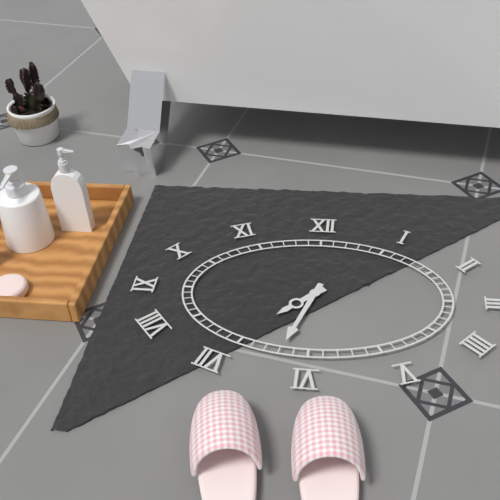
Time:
7.33
